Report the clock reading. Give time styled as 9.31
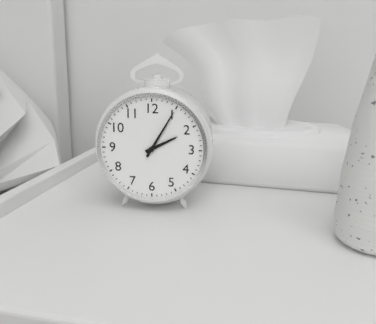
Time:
2.05
